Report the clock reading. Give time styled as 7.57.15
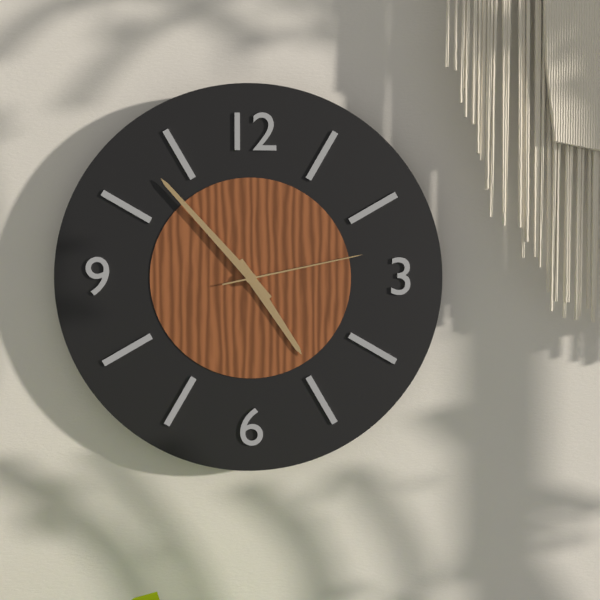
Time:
4.53.13
